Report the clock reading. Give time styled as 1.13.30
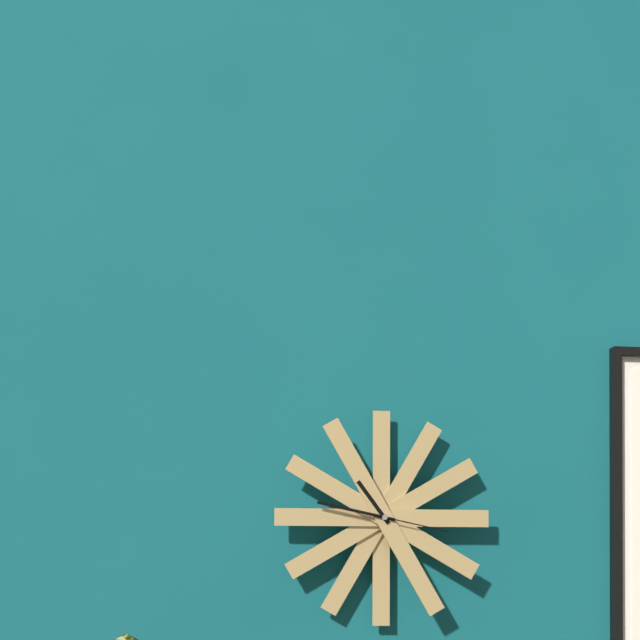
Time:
10.47.17
